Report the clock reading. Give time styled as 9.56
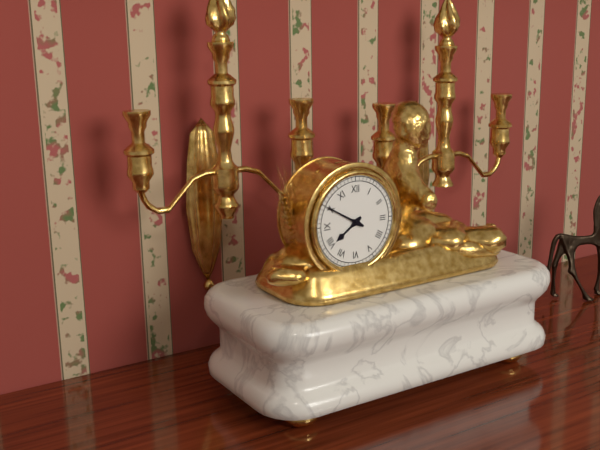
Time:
7.50
